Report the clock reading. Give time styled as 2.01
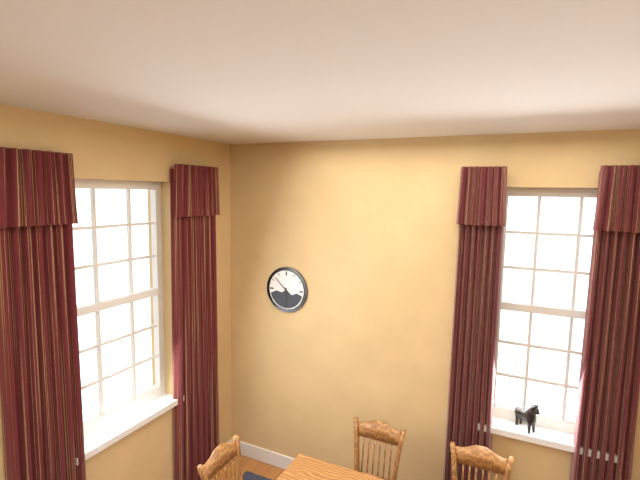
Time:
5.52
